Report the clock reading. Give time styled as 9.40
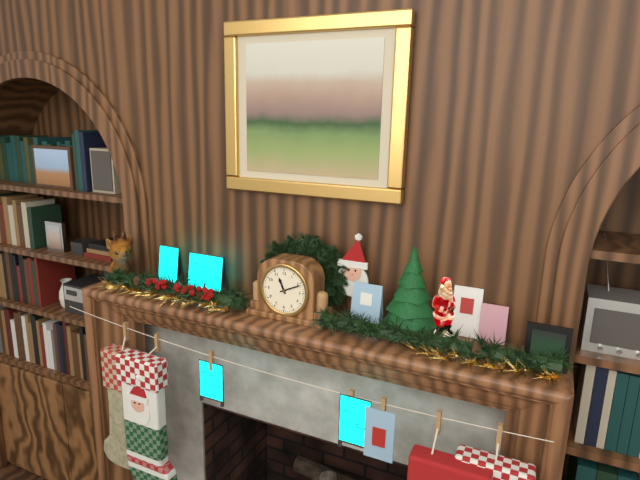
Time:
11.11
